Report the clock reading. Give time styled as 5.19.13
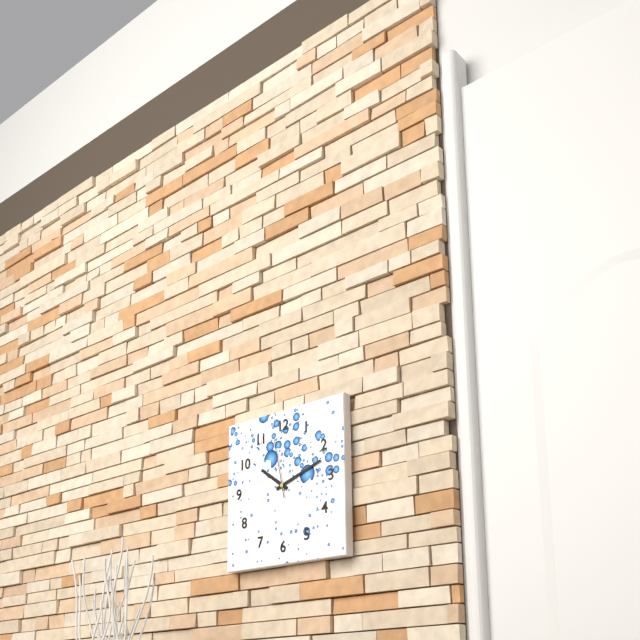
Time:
10.12.58
